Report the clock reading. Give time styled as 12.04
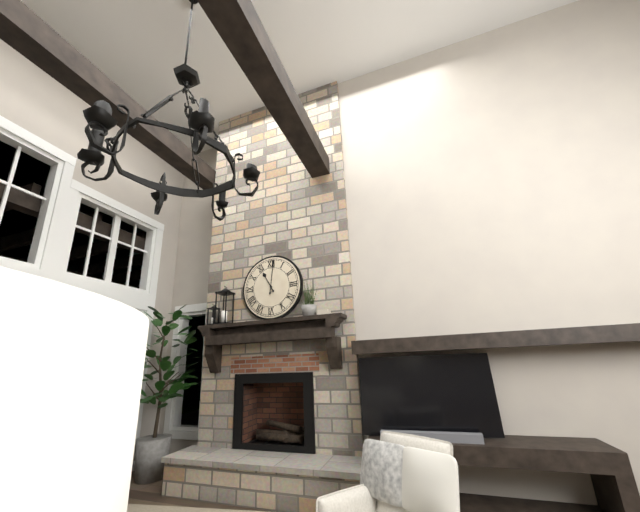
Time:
11.01
